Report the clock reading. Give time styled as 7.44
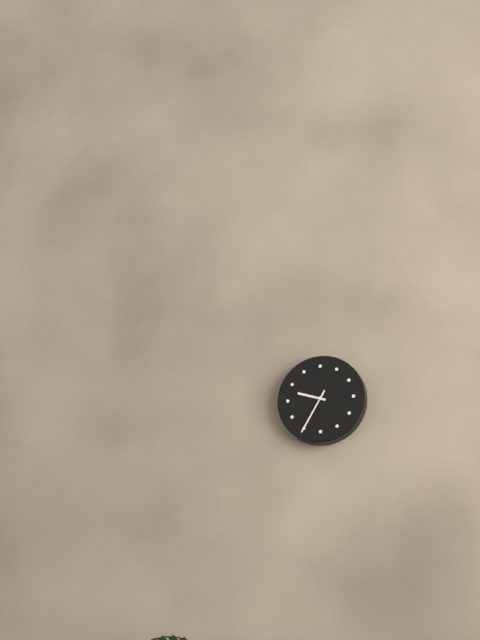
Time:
9.35
